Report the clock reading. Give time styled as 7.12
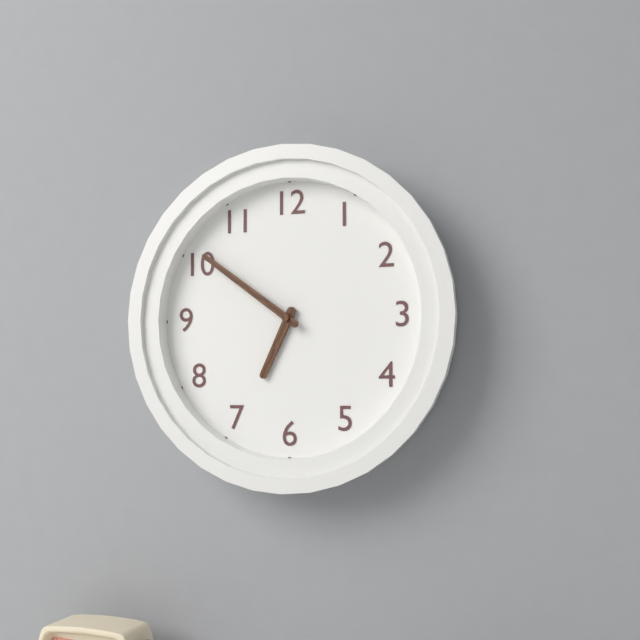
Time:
6.51
